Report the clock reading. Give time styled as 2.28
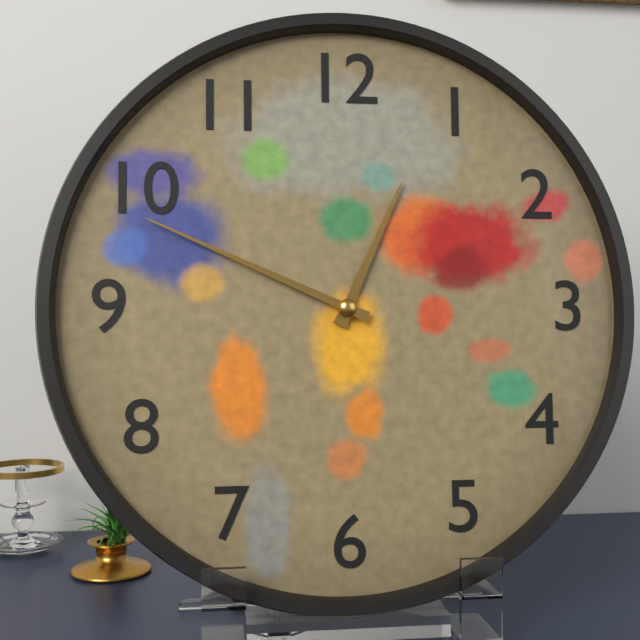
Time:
12.49
